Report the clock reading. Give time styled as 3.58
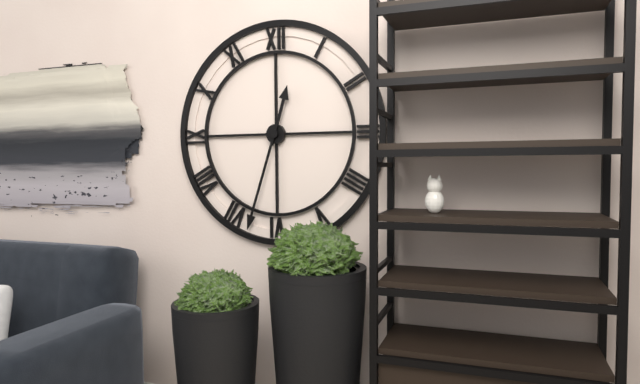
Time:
12.33
